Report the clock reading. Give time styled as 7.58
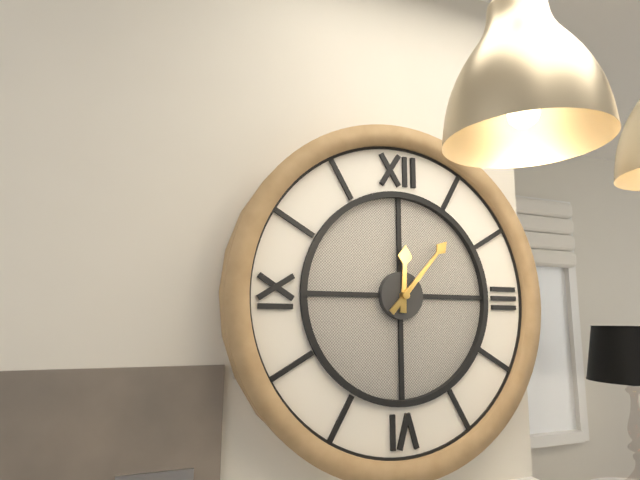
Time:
12.07
